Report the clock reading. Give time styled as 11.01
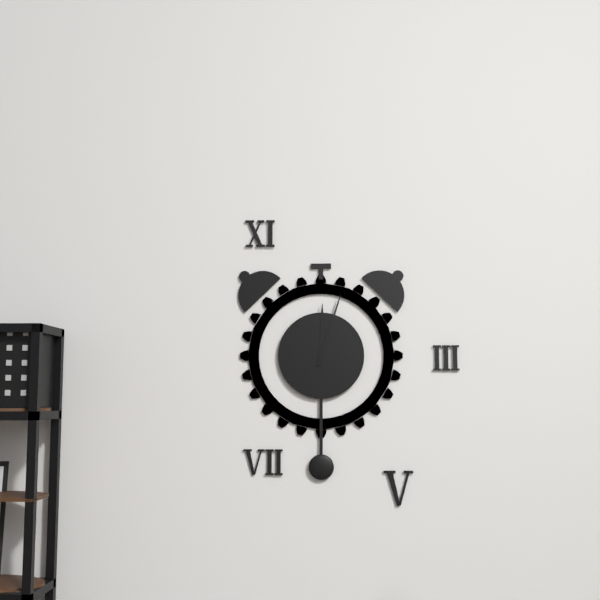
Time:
12.03
